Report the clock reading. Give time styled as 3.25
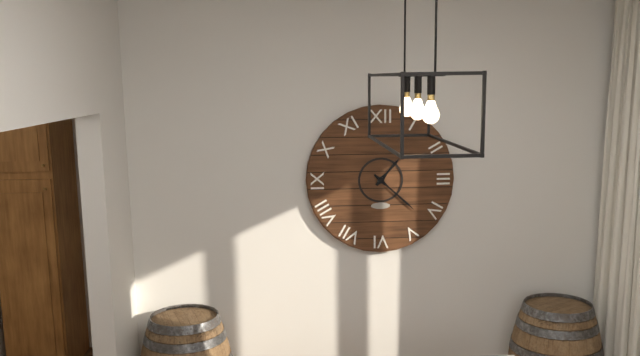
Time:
1.22
